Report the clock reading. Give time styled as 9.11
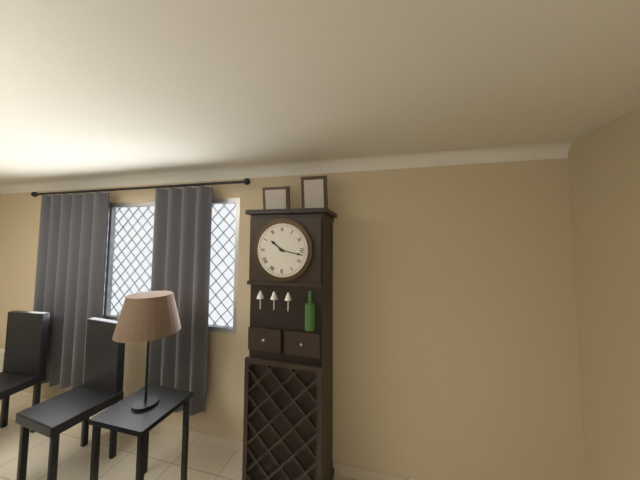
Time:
10.17
